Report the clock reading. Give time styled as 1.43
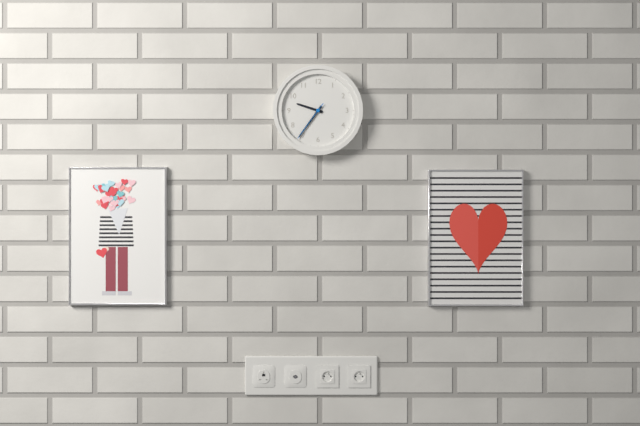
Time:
9.36
